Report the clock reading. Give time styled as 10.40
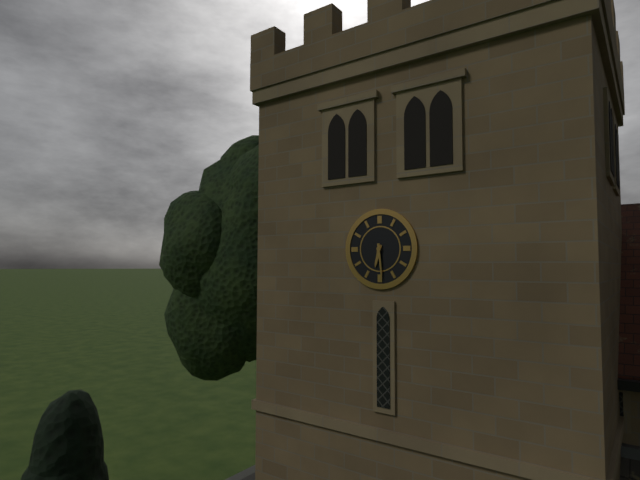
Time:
6.29
